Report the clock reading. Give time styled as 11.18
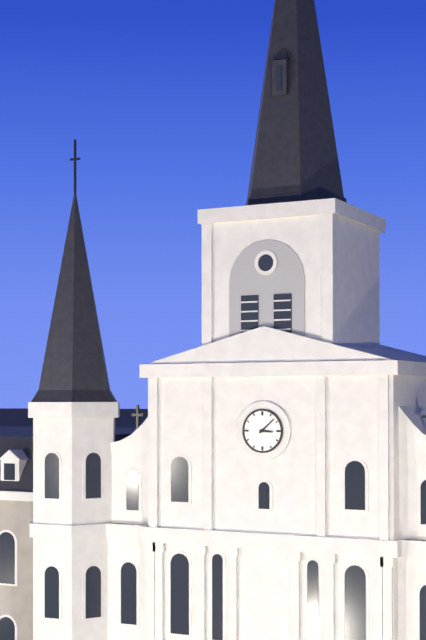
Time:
3.08
